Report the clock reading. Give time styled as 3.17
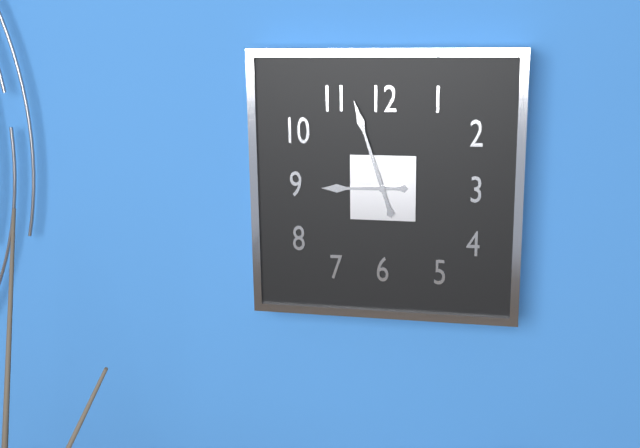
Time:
8.57
